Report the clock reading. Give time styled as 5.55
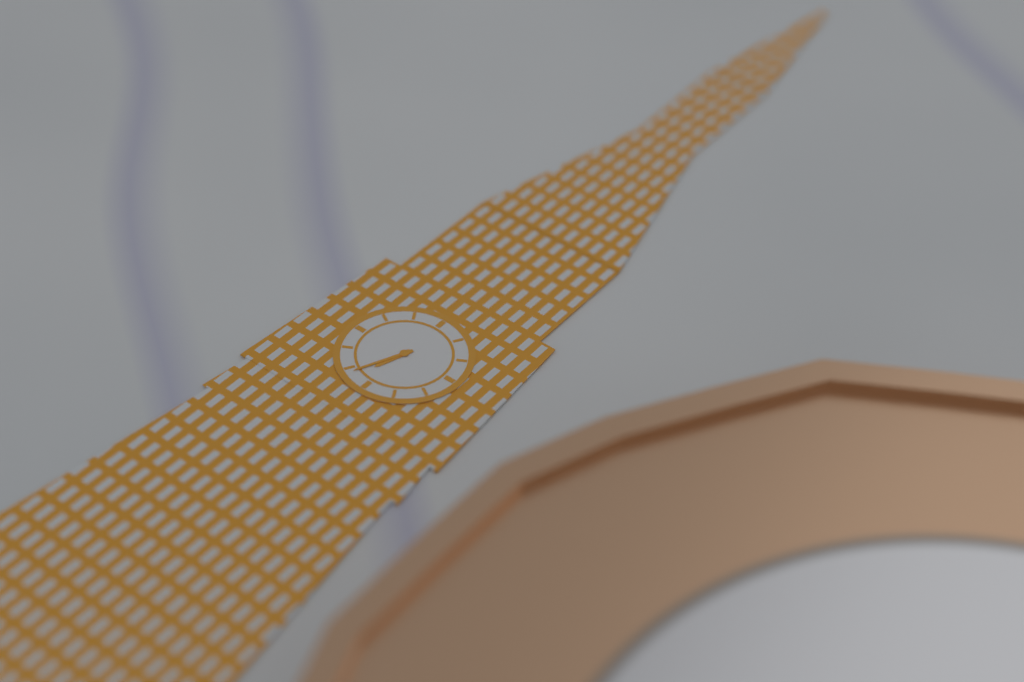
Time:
6.34
